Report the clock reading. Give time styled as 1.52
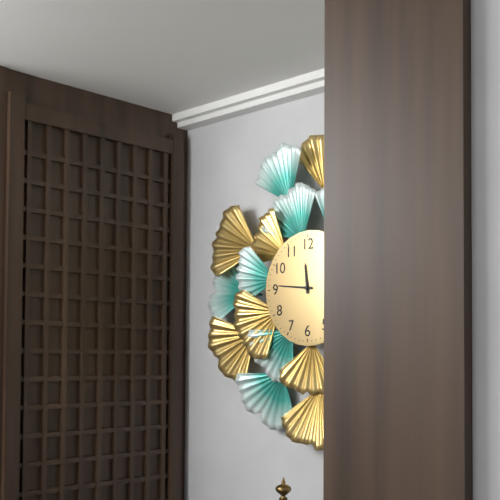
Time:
11.46
